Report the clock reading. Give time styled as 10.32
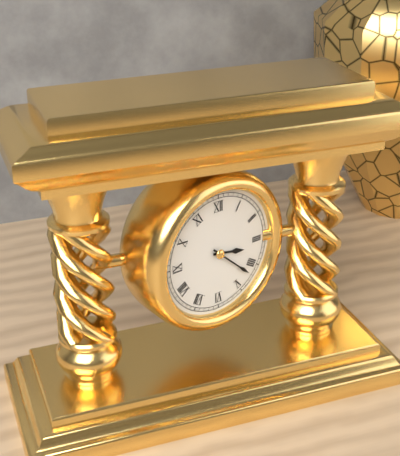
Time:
3.22
